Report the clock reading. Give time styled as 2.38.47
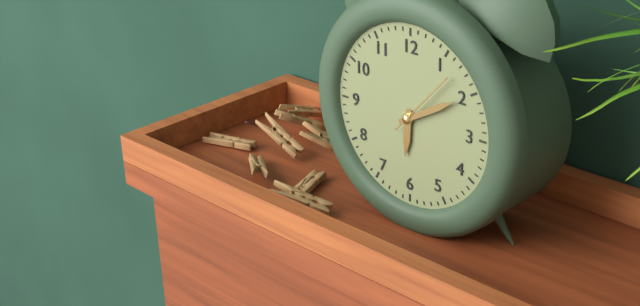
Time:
6.10.07
